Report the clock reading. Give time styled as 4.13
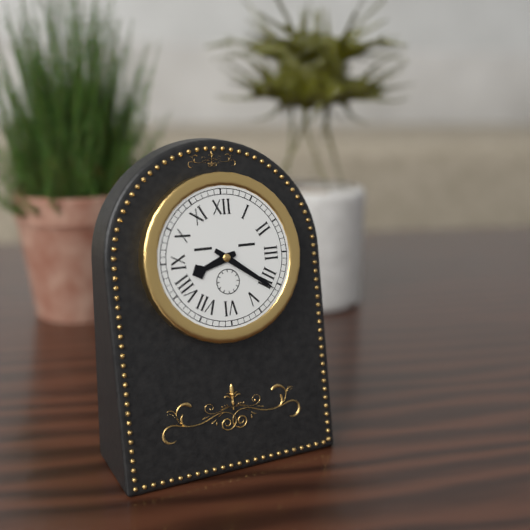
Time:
8.21
